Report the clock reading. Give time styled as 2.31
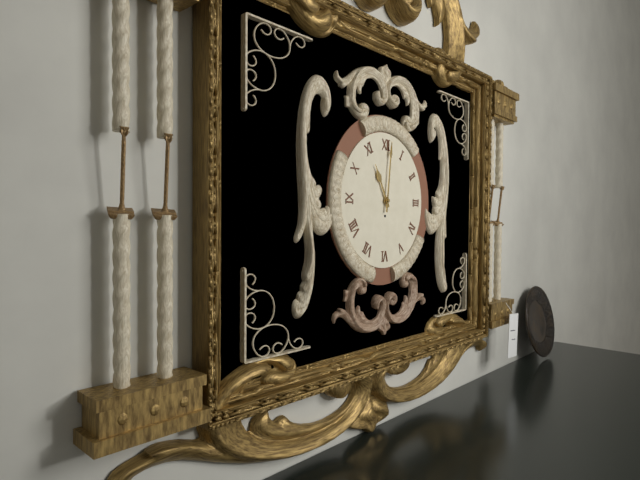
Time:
11.01
